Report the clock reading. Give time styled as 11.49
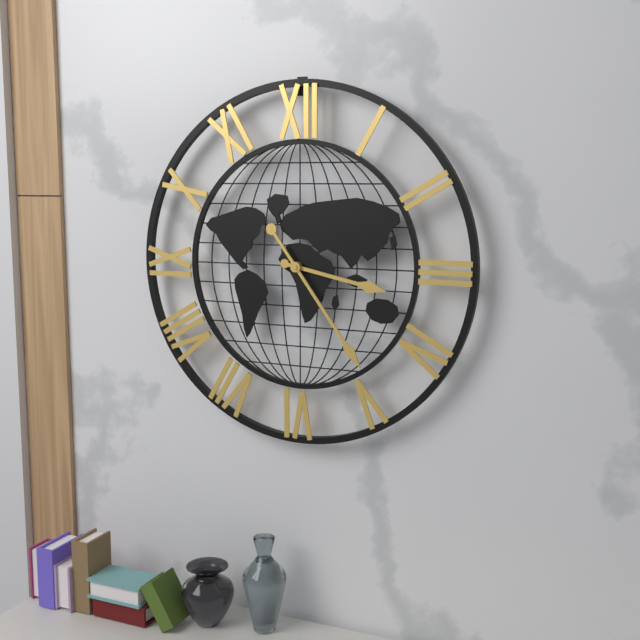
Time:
3.24
